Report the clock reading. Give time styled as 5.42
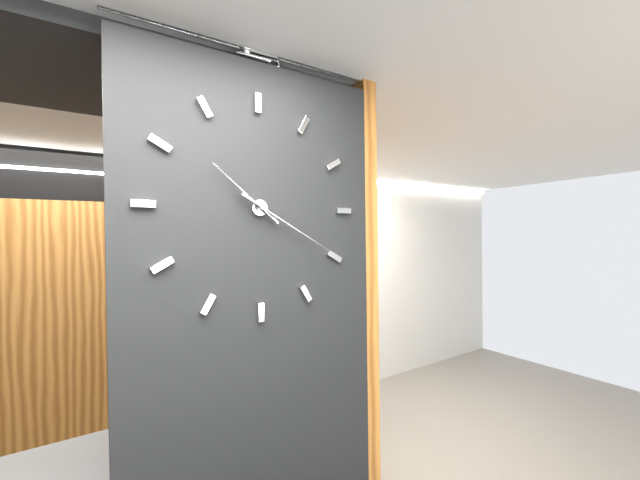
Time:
10.20
